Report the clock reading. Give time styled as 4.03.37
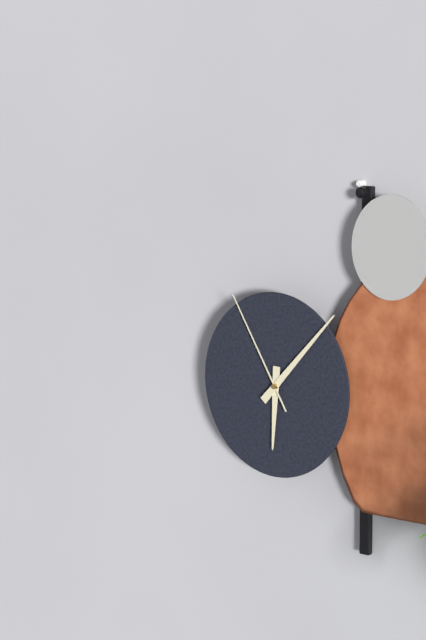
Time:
6.07.55
